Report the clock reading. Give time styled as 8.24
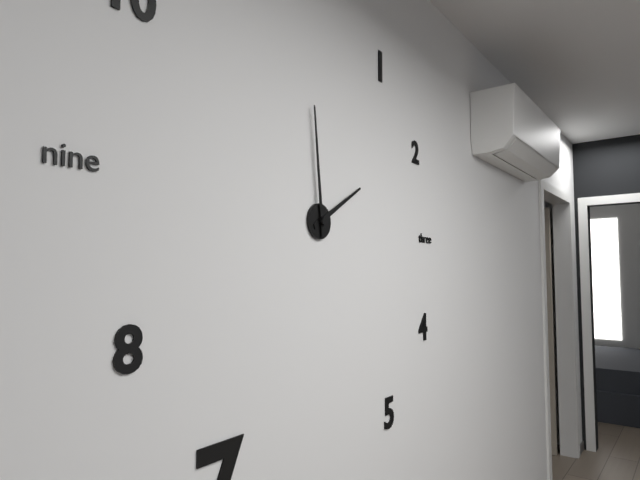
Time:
1.59
